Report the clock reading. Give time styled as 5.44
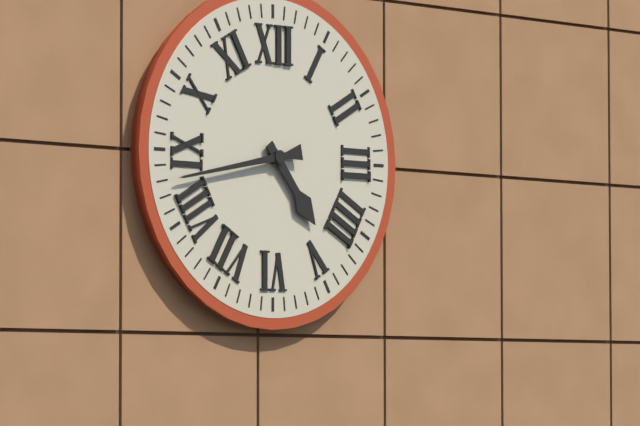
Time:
4.43
